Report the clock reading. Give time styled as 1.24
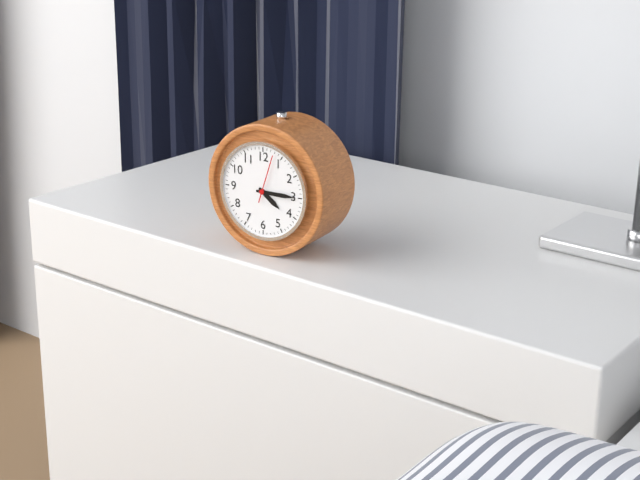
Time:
4.15
